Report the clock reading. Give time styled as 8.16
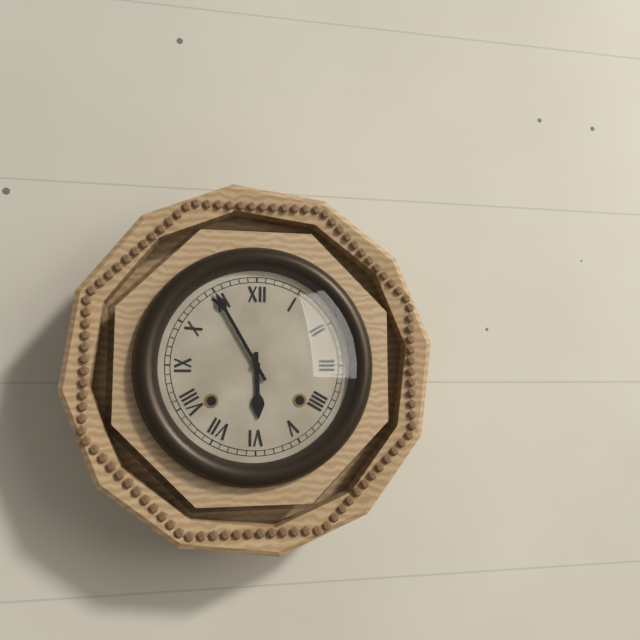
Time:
5.55
